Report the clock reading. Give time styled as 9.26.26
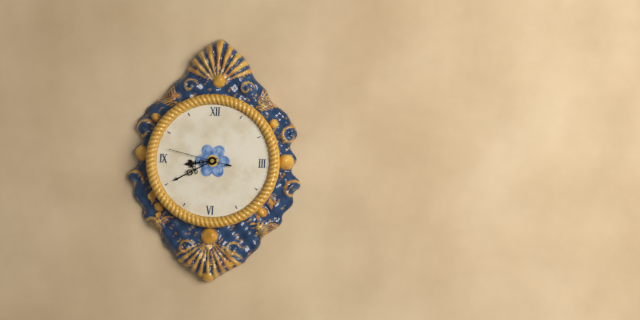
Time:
8.40.47
